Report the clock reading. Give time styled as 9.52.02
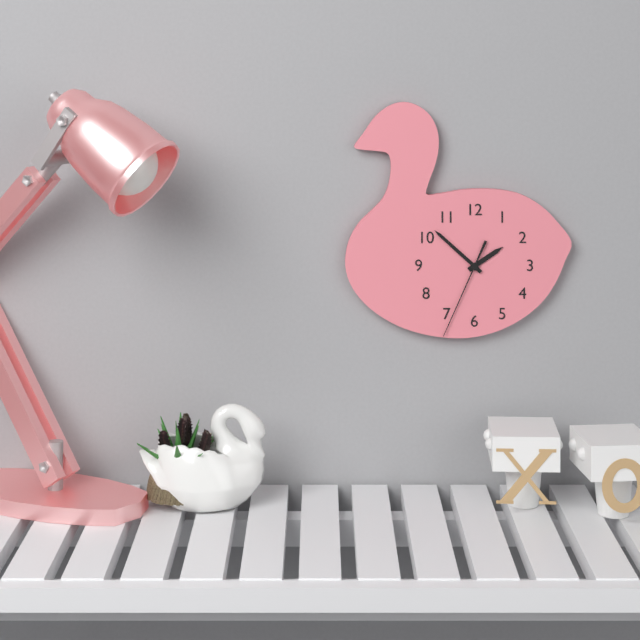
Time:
1.52.34
